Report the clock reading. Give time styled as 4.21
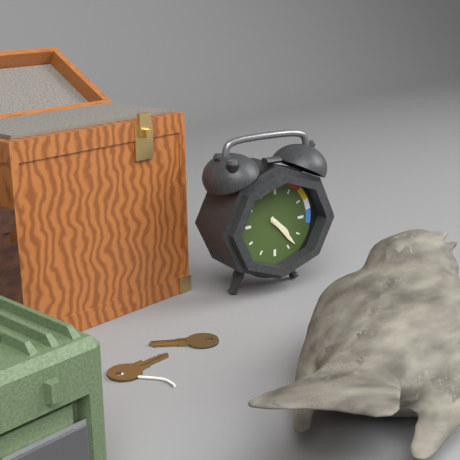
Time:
4.23
